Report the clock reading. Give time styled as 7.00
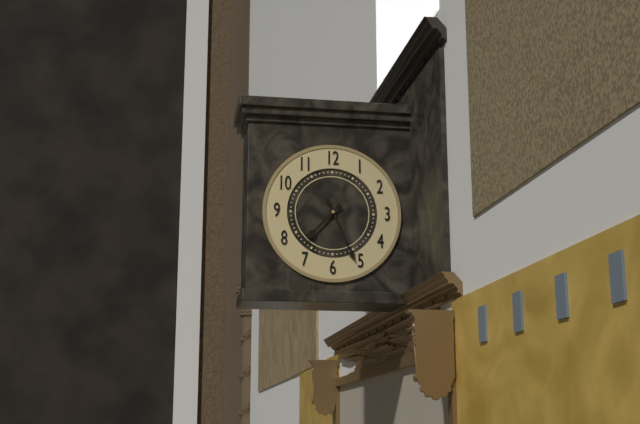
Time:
7.26
